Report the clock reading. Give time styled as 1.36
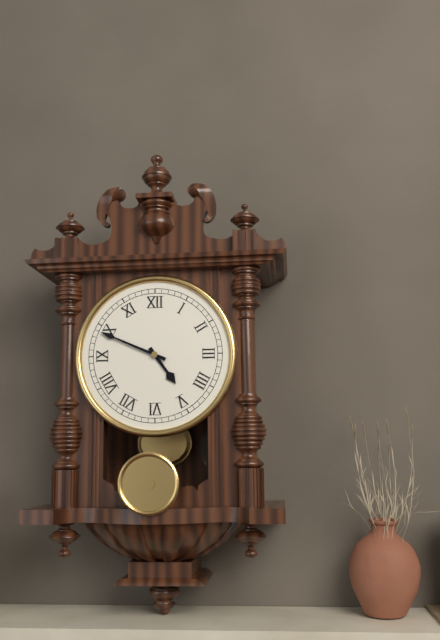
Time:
4.49
